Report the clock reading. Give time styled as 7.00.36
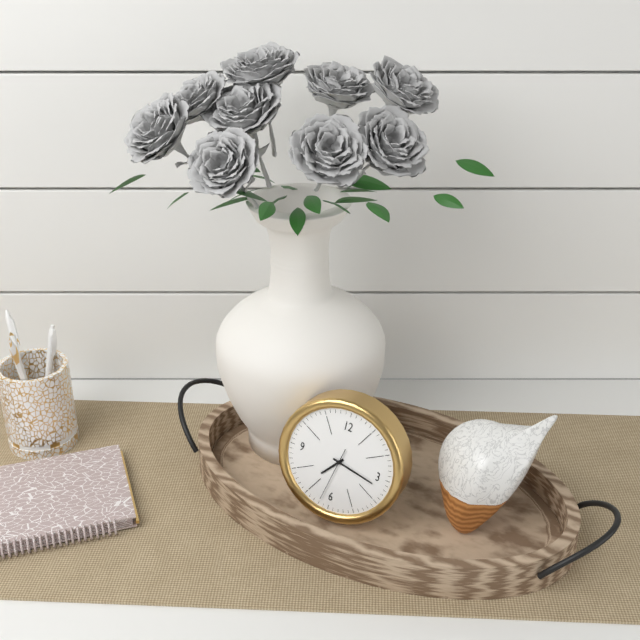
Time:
7.17.32
